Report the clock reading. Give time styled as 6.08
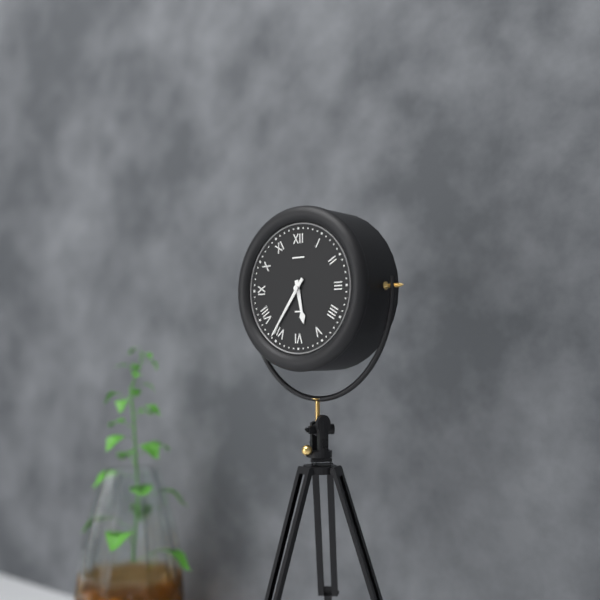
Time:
5.36
